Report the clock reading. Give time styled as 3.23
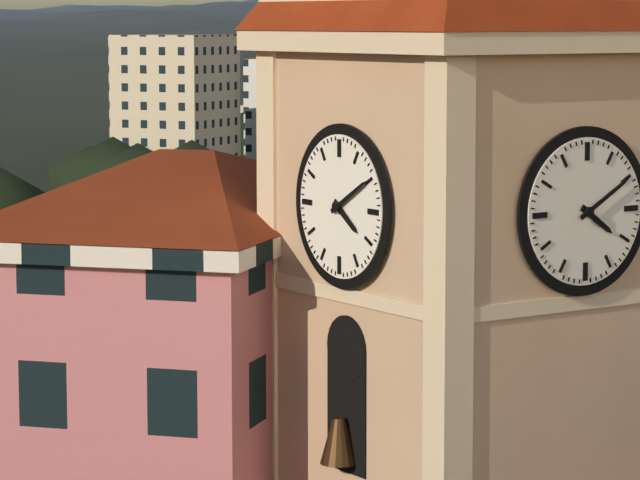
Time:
4.10
